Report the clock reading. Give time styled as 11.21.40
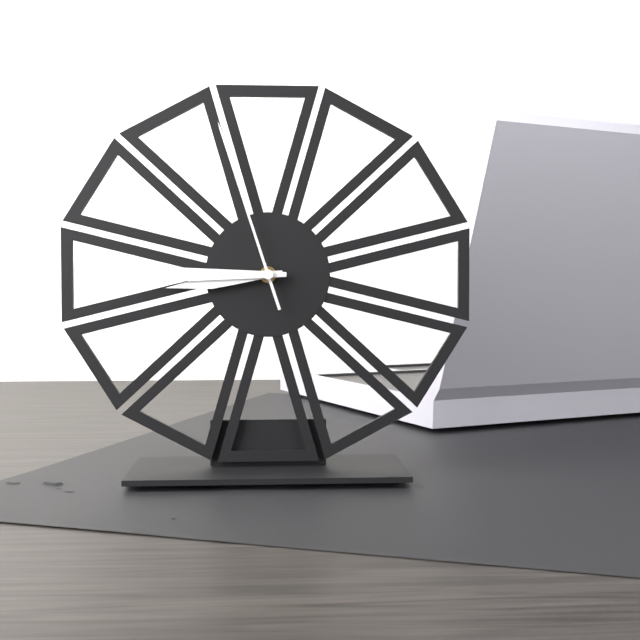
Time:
8.45.57
